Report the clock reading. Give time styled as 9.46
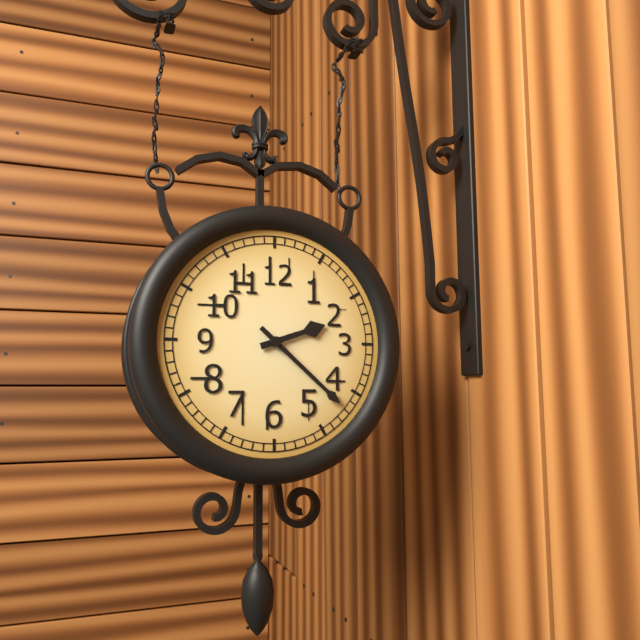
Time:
2.22
